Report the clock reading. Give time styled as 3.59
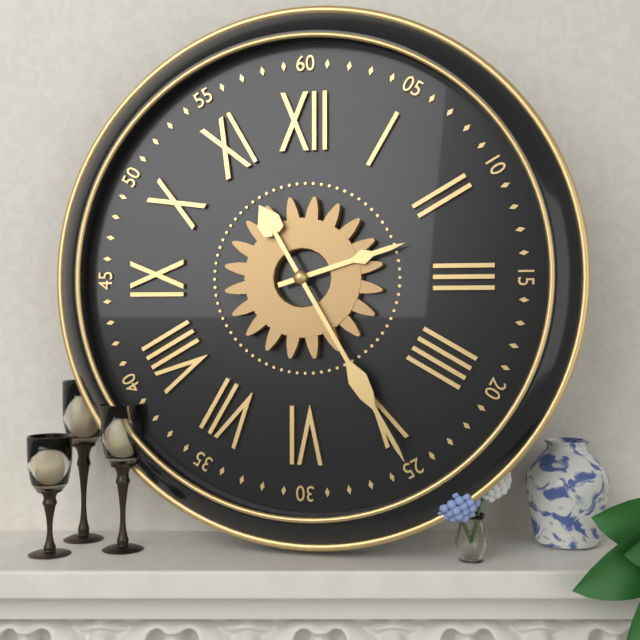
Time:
2.25
